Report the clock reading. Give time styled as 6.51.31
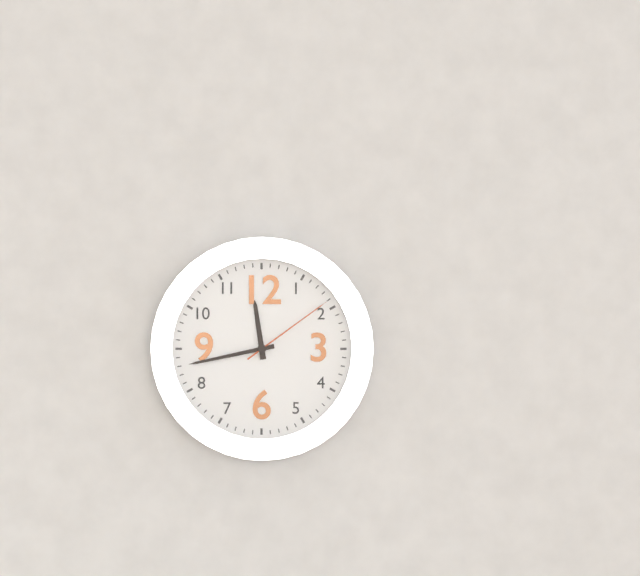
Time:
11.43.09
